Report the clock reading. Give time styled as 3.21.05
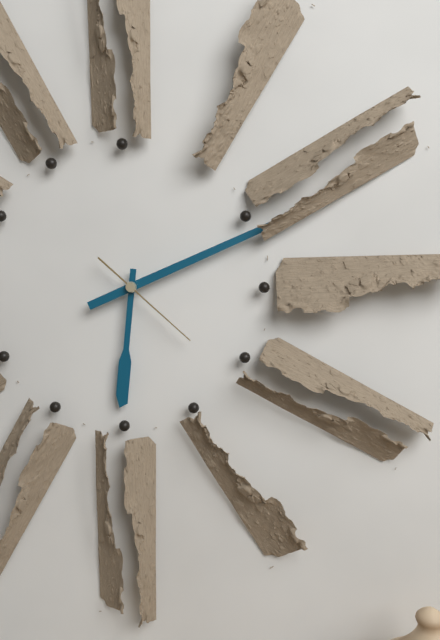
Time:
6.11.22
